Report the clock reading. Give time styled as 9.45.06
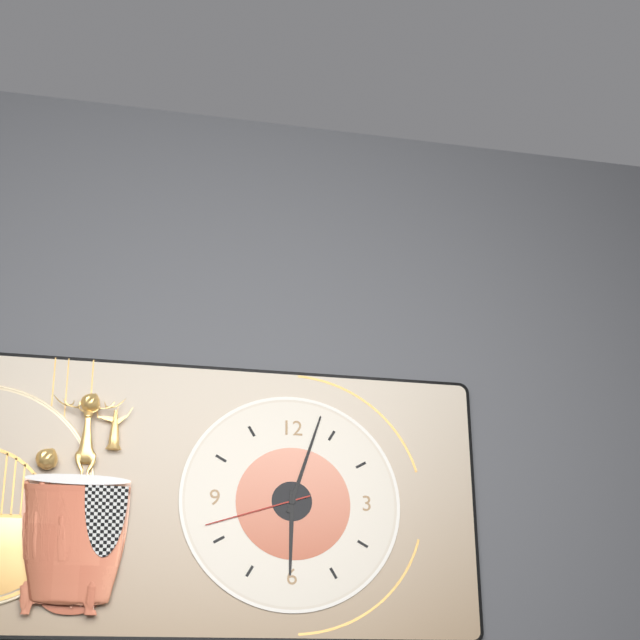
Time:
6.03.42
